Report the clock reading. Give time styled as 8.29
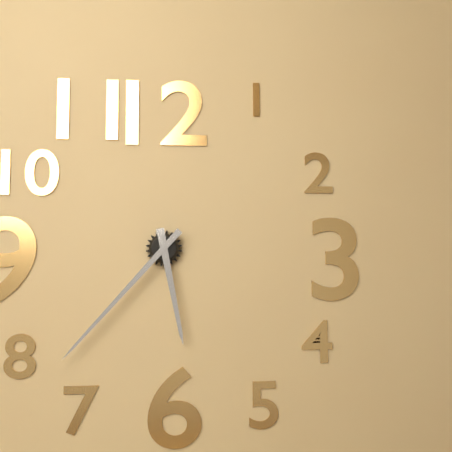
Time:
5.37
